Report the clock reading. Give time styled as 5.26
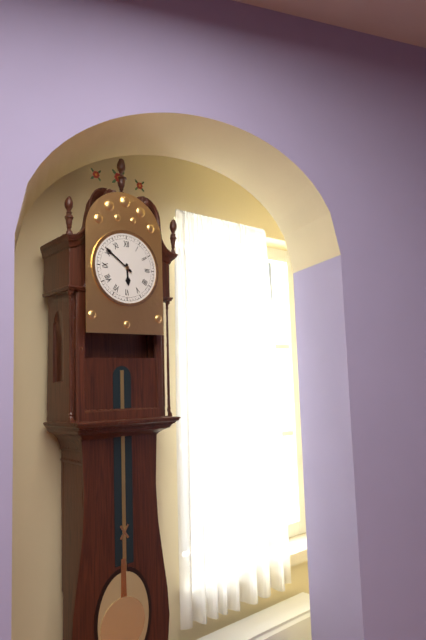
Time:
5.51
